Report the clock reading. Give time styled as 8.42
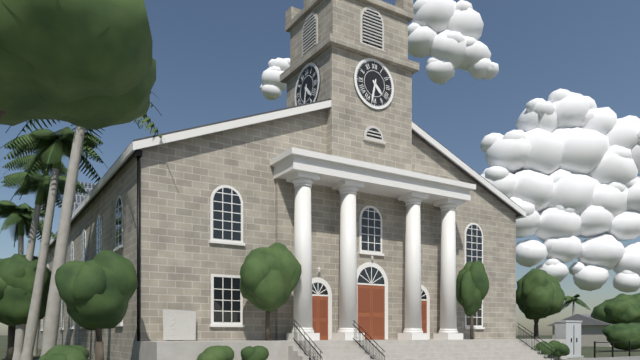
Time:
4.32
